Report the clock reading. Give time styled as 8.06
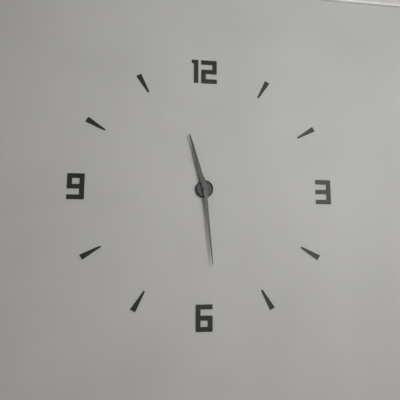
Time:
11.29
